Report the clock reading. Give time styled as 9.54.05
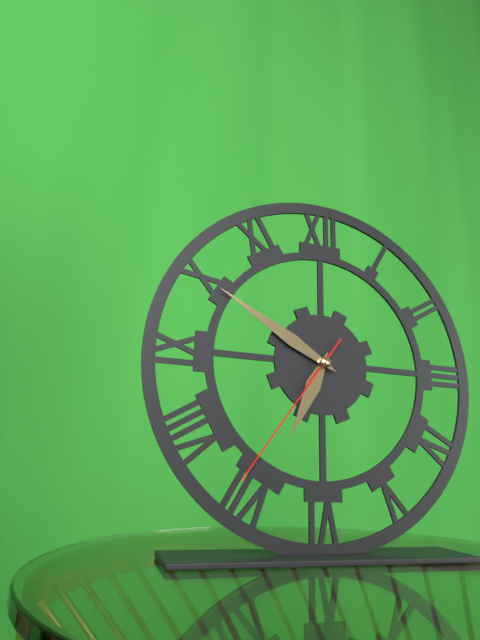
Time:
6.50.36
